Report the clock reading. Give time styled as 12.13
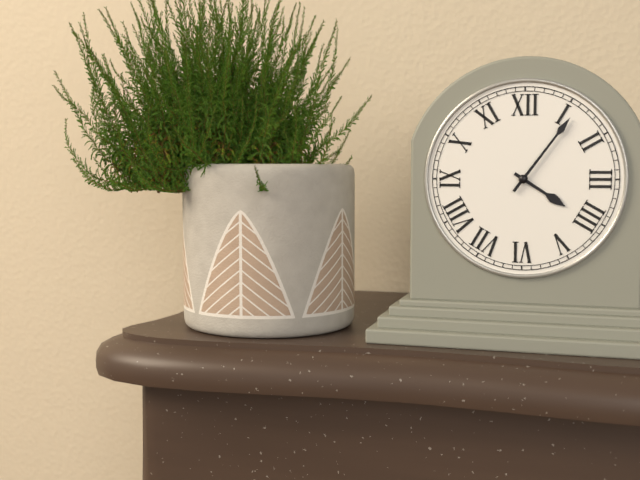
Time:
4.06
